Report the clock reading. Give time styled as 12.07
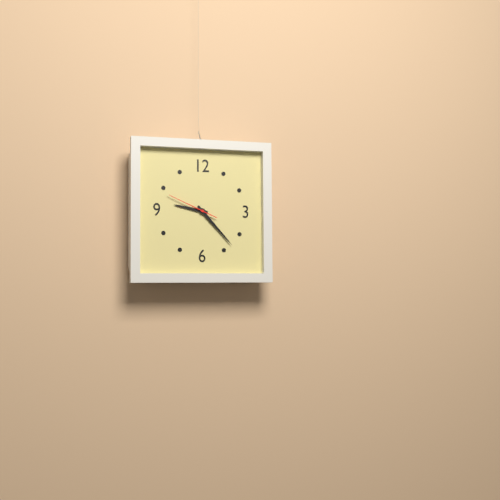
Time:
9.23
